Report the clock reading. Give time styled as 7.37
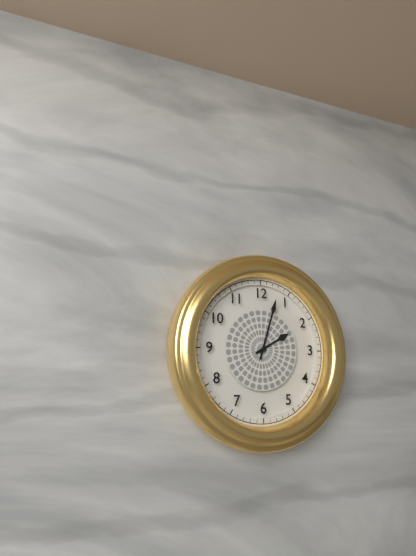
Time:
2.03
